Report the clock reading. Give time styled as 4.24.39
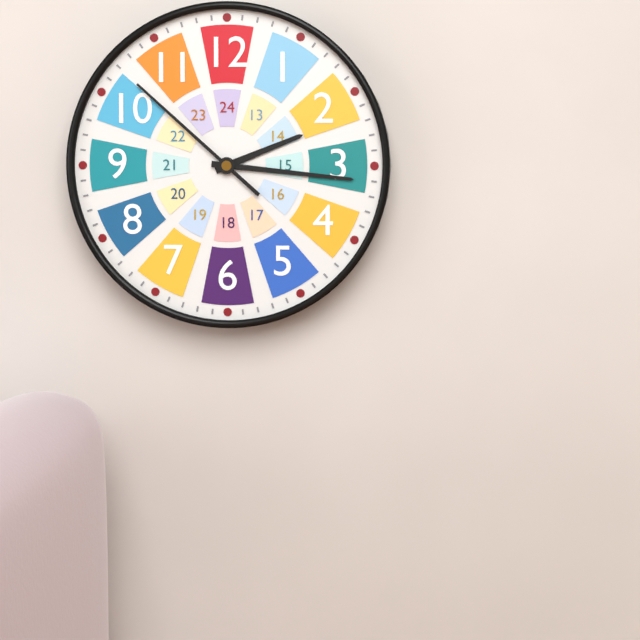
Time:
2.16.52
